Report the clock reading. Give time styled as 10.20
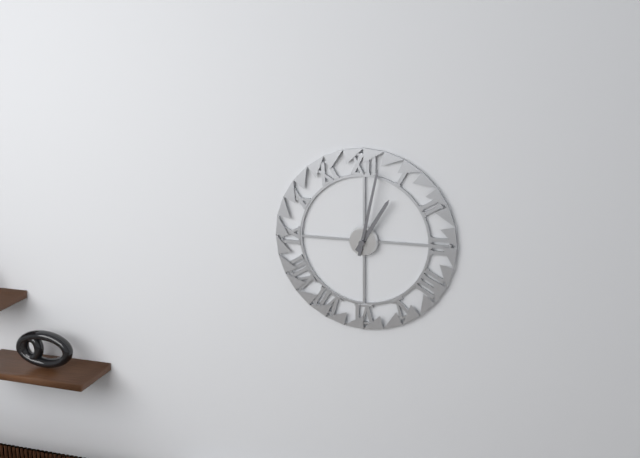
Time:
1.02
